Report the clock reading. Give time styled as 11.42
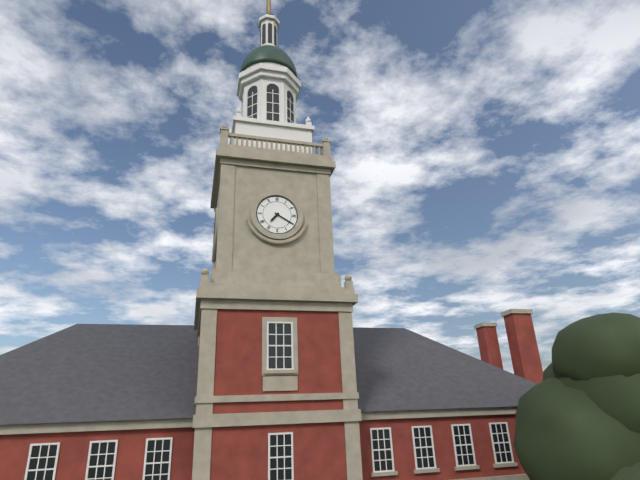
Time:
7.20
